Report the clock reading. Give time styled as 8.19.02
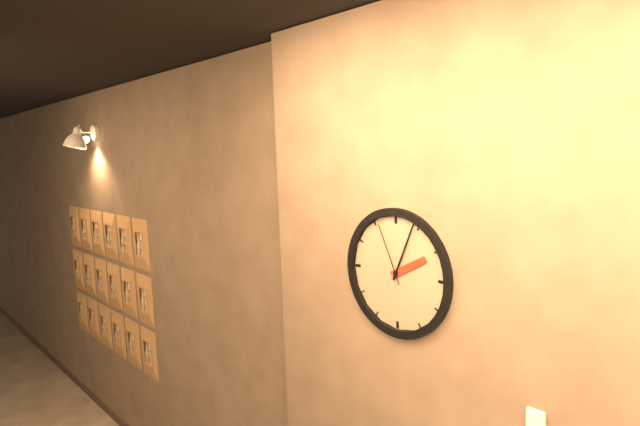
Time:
2.04.56
